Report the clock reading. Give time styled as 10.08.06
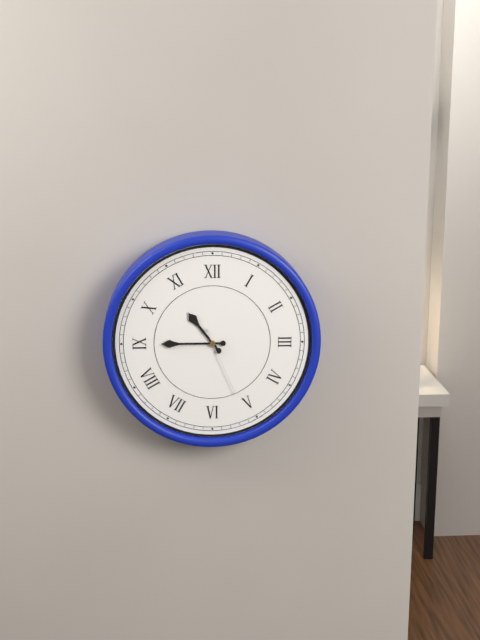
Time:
10.45.26
